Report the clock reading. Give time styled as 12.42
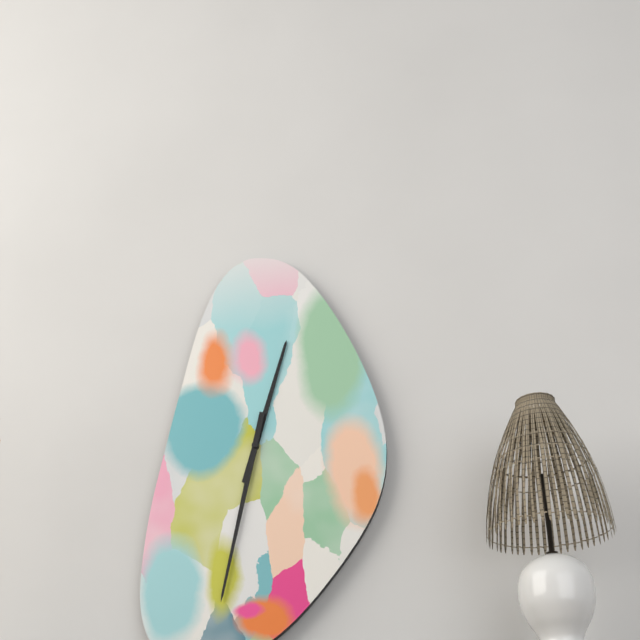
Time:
12.32
